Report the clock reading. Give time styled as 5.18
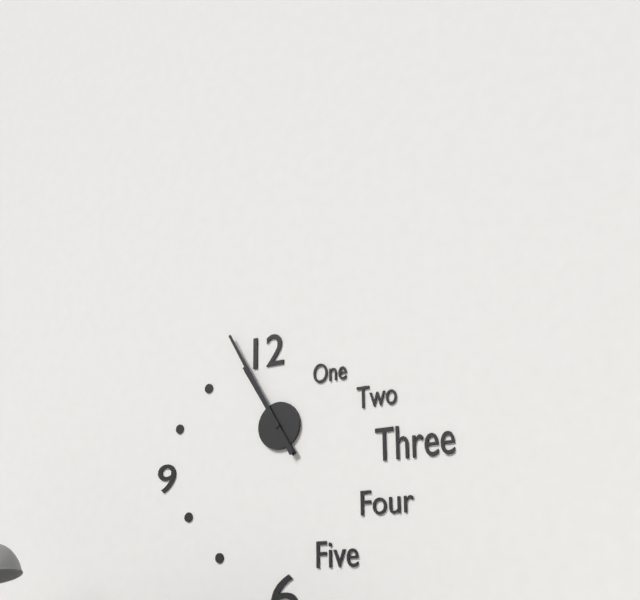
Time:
10.55
